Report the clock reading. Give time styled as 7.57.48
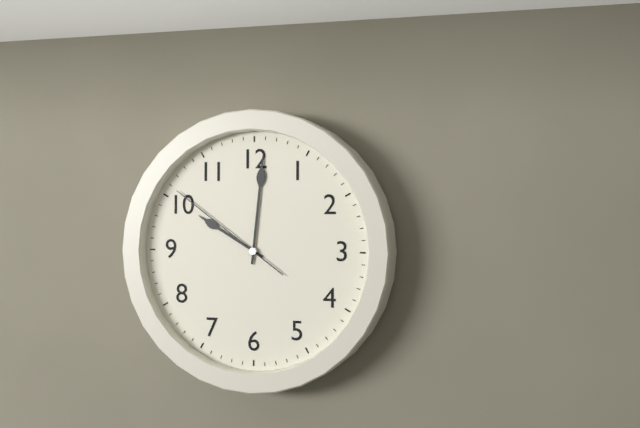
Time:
10.01.51
